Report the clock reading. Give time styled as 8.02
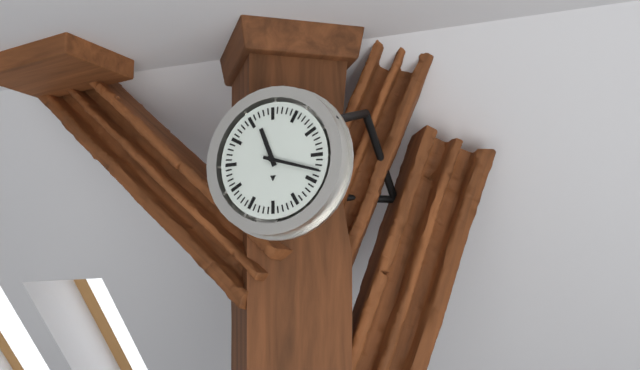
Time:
11.18
